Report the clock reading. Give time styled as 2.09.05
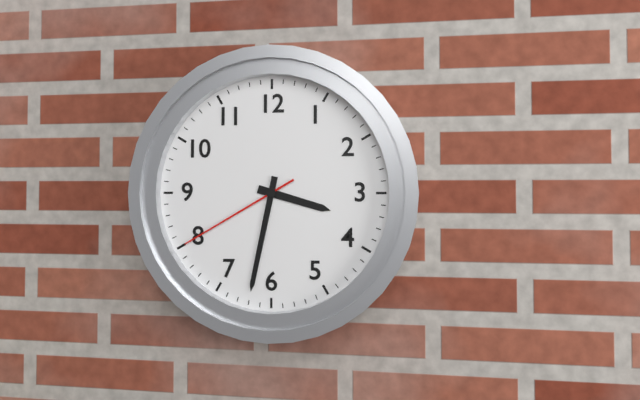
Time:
3.32.40
